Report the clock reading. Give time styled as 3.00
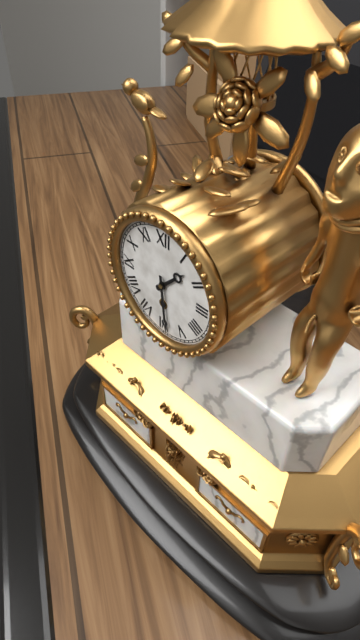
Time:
1.29
